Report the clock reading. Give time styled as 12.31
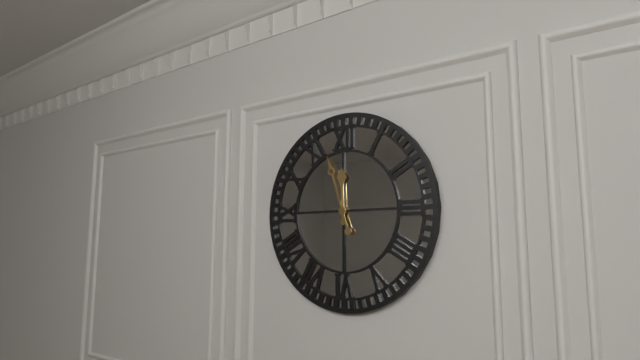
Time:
11.57
